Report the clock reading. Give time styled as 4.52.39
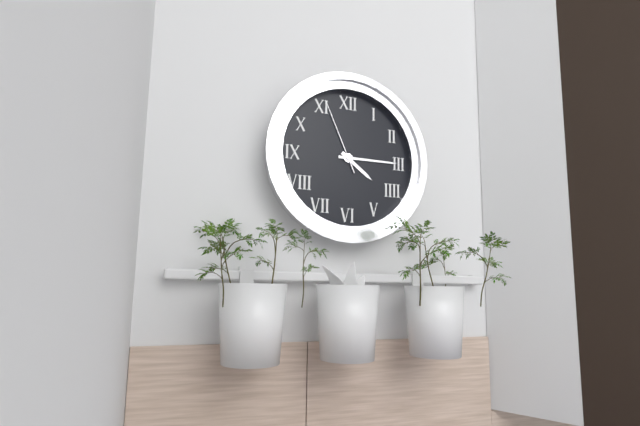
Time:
4.15.56
